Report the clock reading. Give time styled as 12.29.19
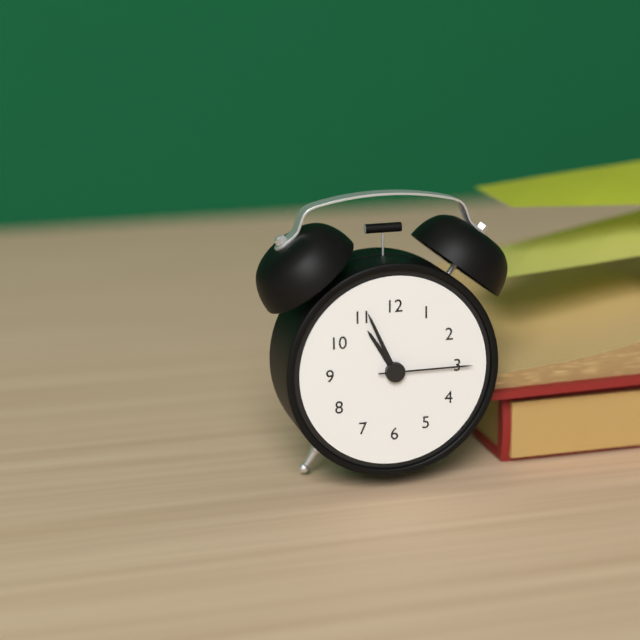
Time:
10.56.15
